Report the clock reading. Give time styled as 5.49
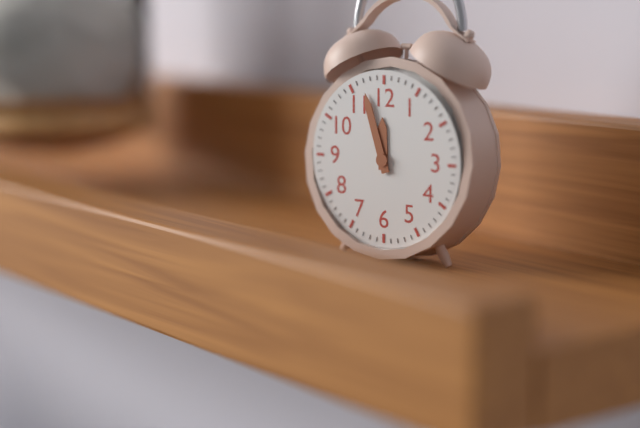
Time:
11.57
